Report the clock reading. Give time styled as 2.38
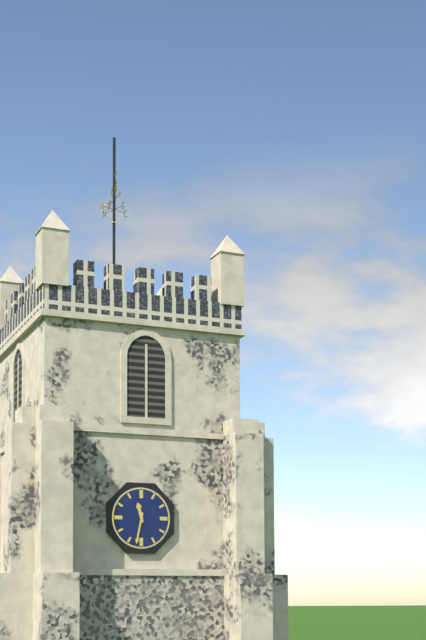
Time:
11.32
